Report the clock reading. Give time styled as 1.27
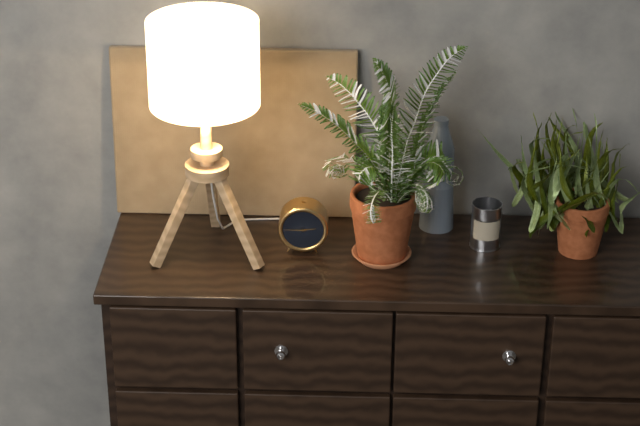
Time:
2.45
